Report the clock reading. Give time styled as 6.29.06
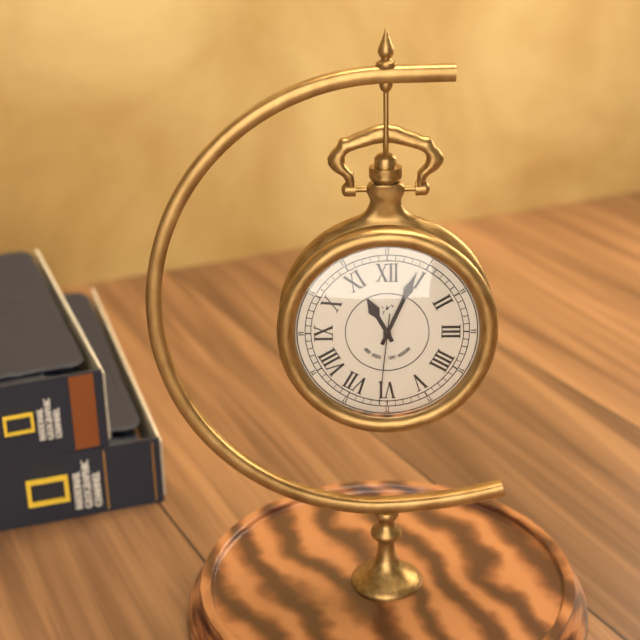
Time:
11.04.31
